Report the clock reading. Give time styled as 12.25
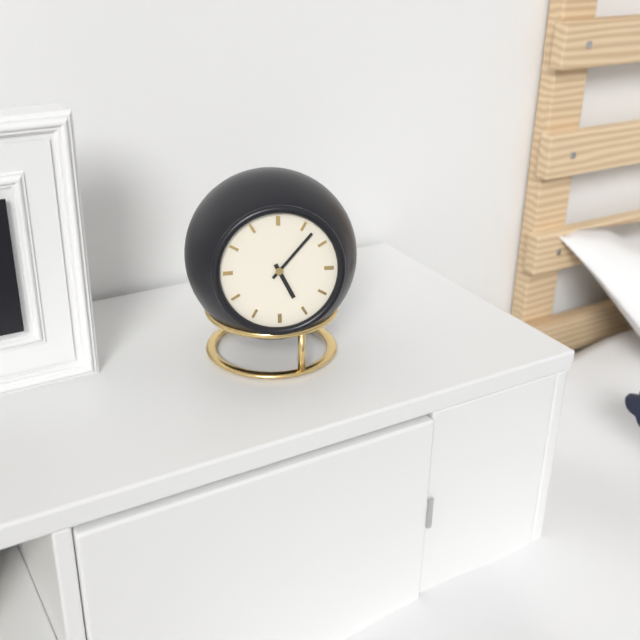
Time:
5.07
